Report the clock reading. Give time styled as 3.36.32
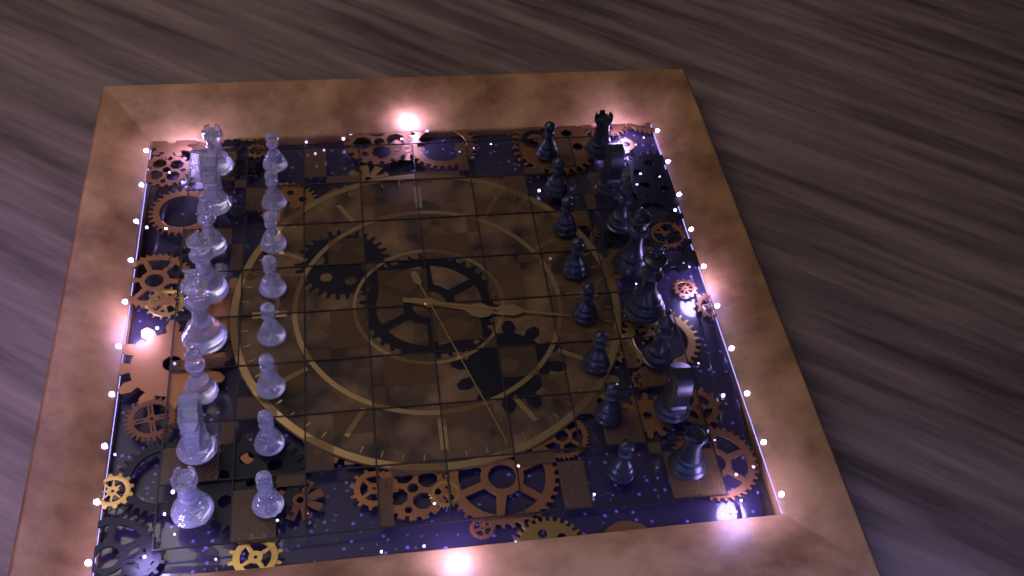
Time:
6.32.42
